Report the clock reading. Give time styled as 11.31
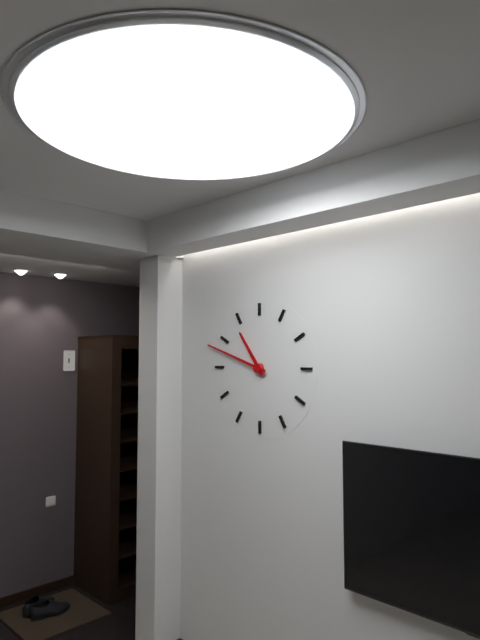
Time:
10.48
